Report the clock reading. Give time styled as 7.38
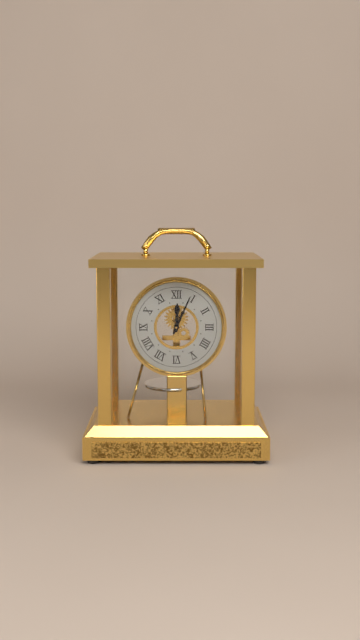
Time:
12.04
